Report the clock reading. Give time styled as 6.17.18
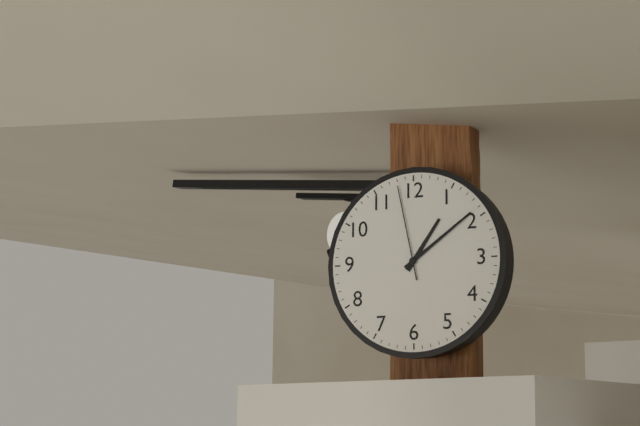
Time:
1.09.58
